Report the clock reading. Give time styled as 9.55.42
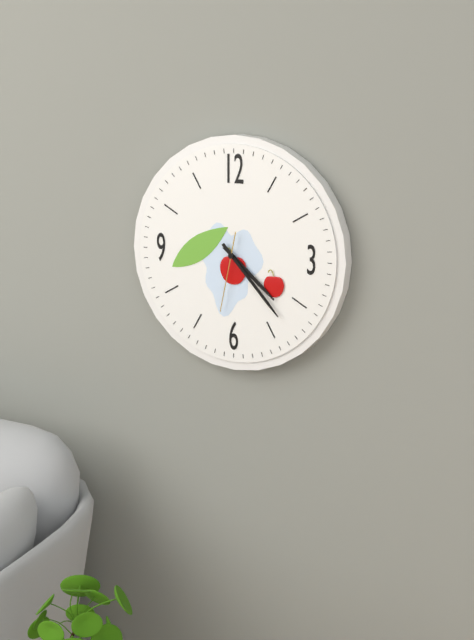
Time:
4.23.32
